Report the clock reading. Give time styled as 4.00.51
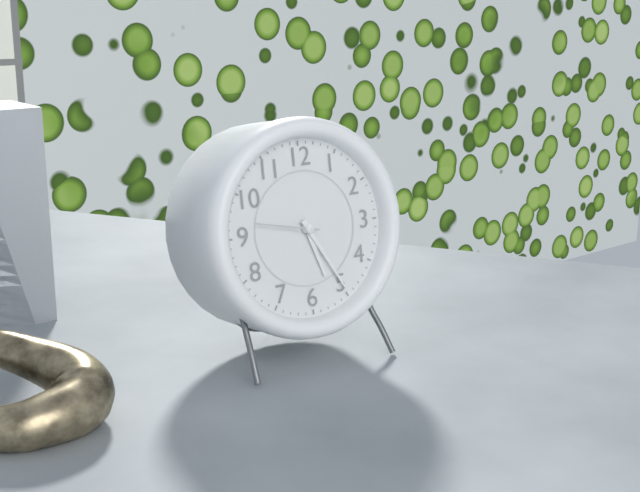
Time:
5.25.47
